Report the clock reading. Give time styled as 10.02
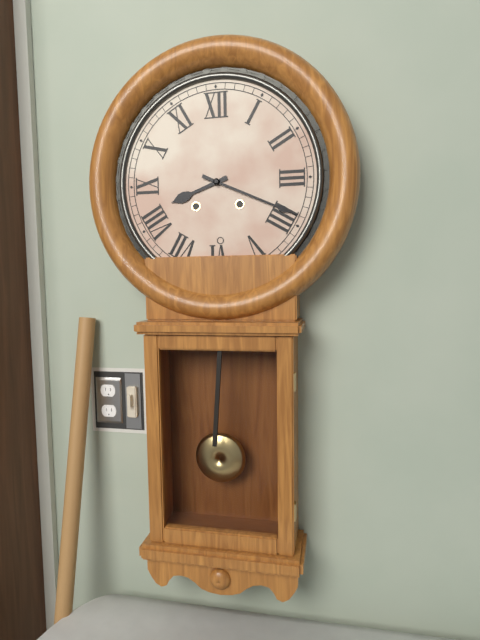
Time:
8.19
